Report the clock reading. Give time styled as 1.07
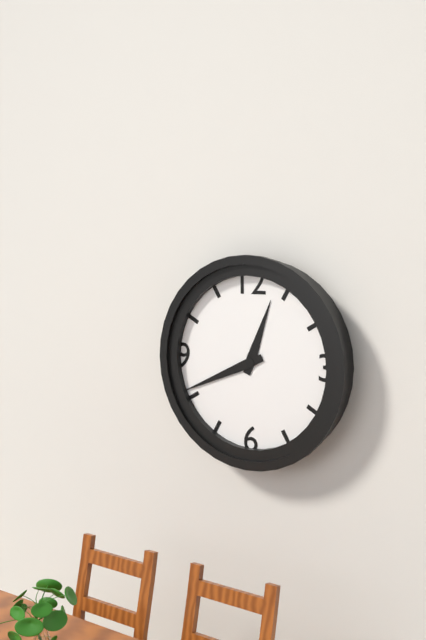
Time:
12.41
